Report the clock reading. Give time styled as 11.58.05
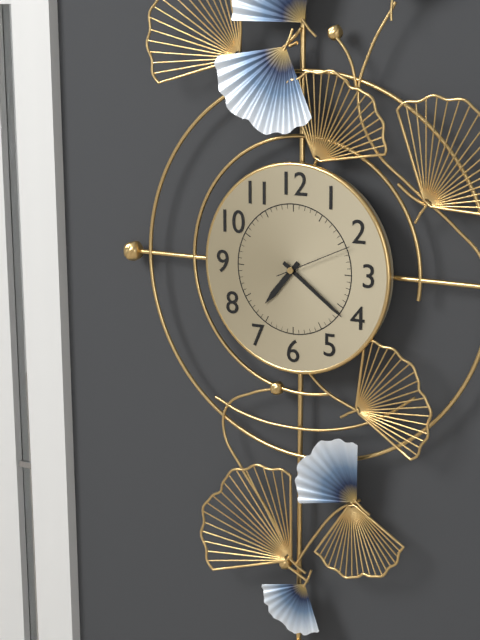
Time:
7.21.11
